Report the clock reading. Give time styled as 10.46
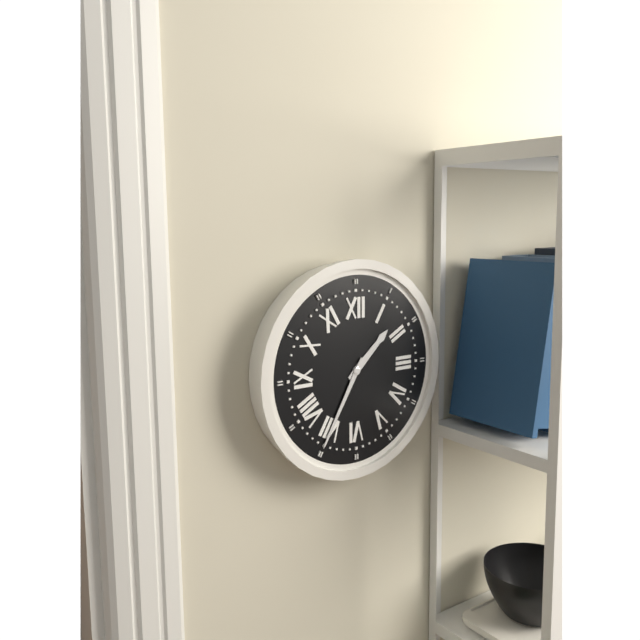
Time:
1.35
